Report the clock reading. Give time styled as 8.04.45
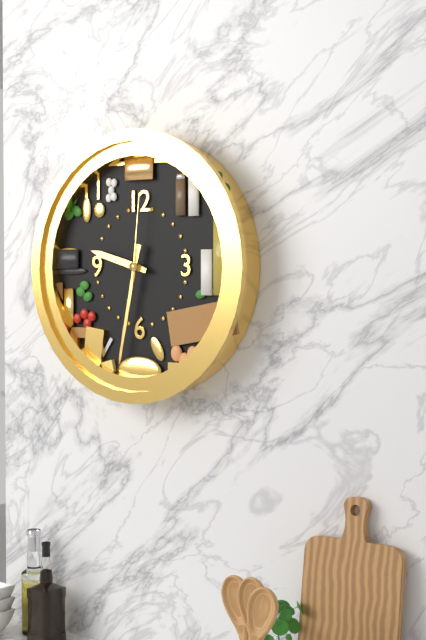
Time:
9.32.01
